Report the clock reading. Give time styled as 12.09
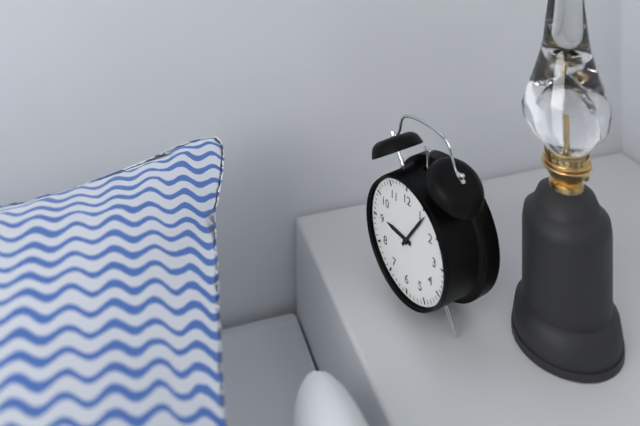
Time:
9.06
